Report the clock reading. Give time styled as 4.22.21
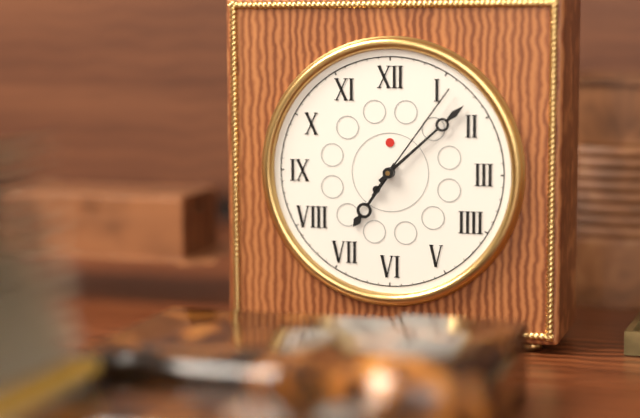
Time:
7.08.06
